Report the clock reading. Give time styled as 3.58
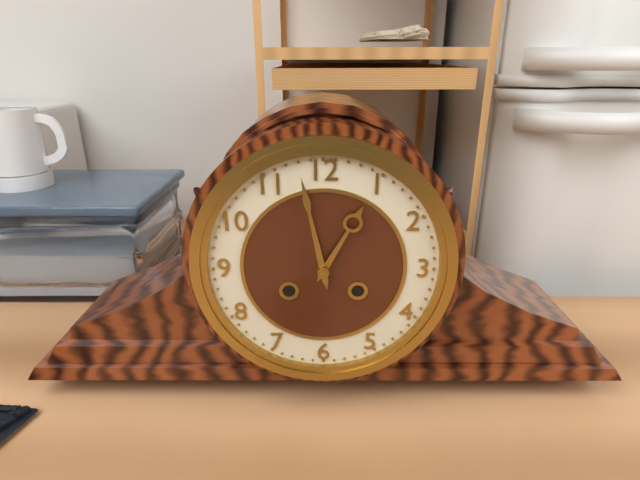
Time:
12.58
